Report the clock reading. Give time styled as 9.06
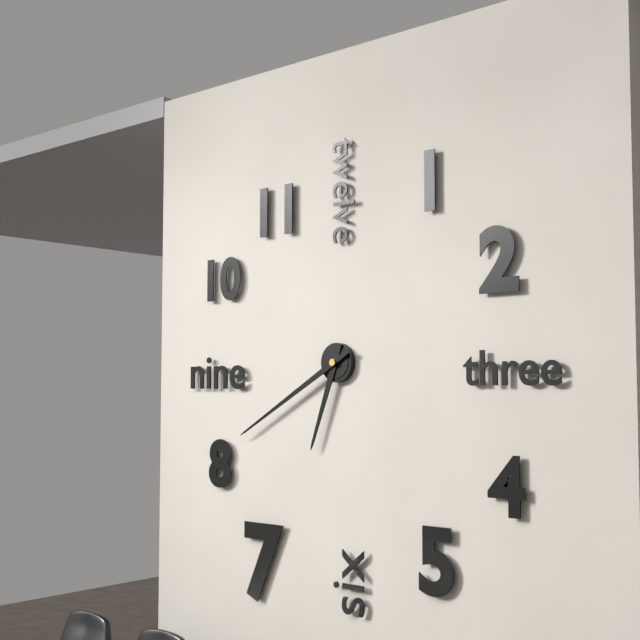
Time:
6.40
